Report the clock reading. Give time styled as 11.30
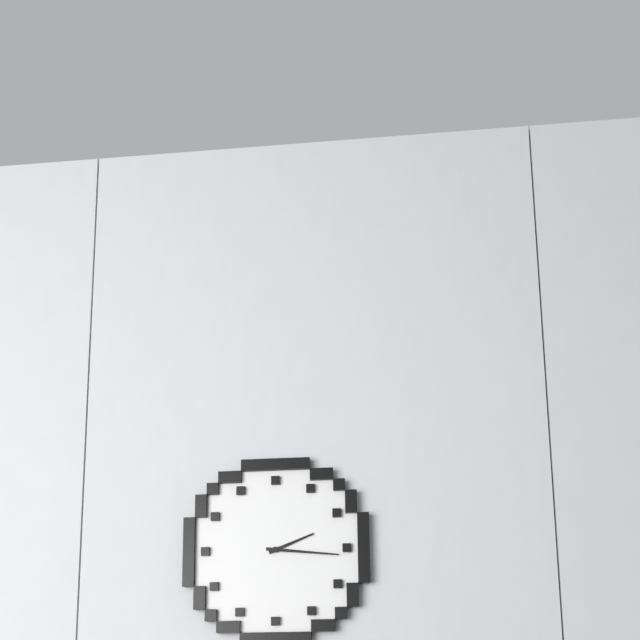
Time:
2.16
